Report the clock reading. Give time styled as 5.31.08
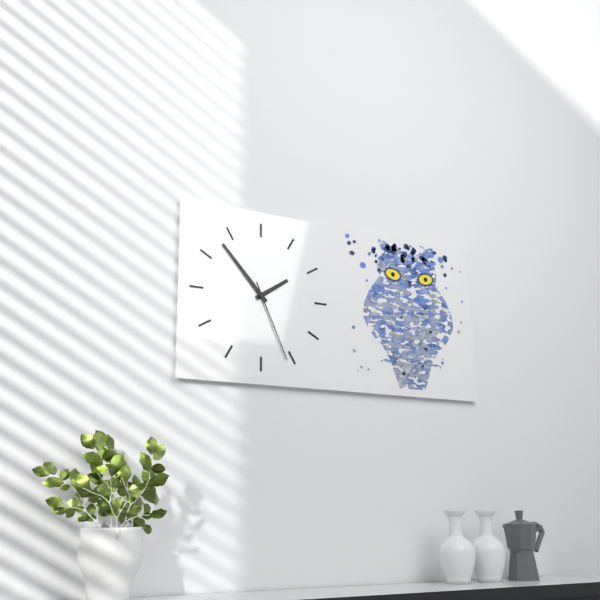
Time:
1.53.26
